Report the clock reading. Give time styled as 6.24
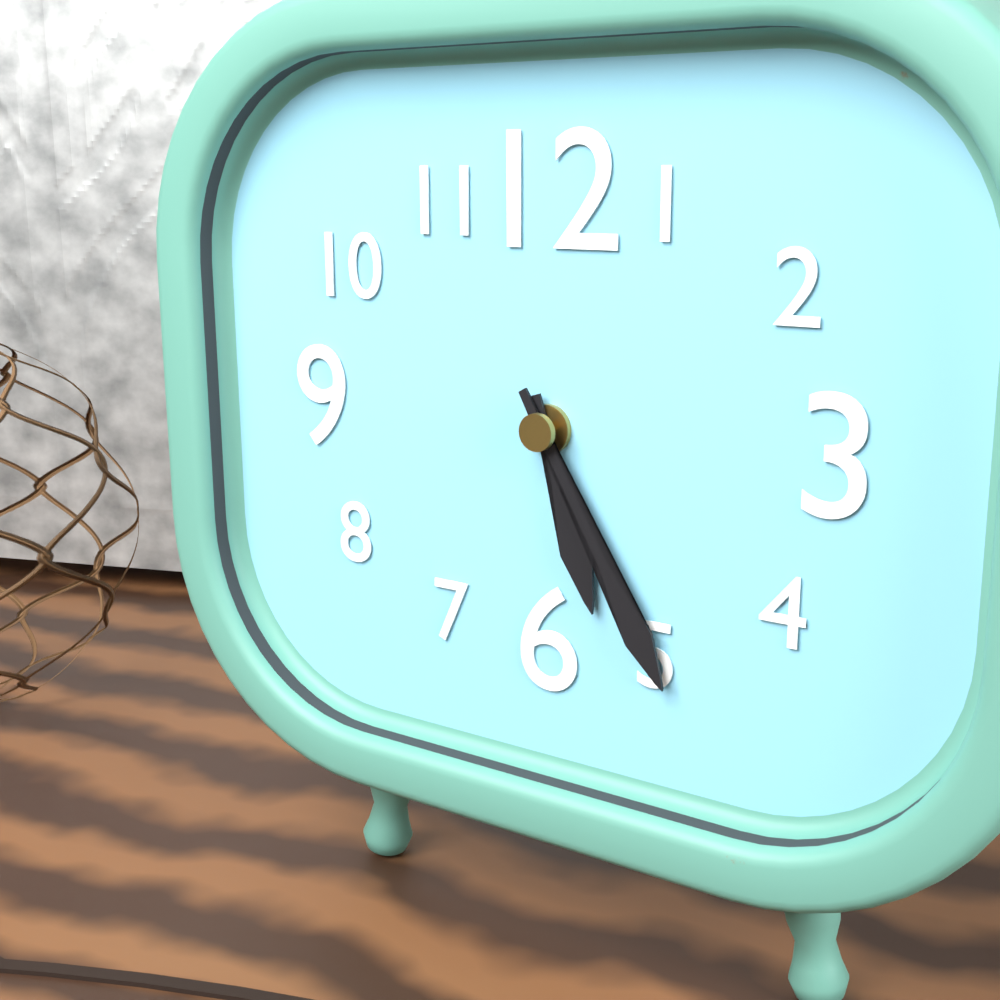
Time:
5.25
